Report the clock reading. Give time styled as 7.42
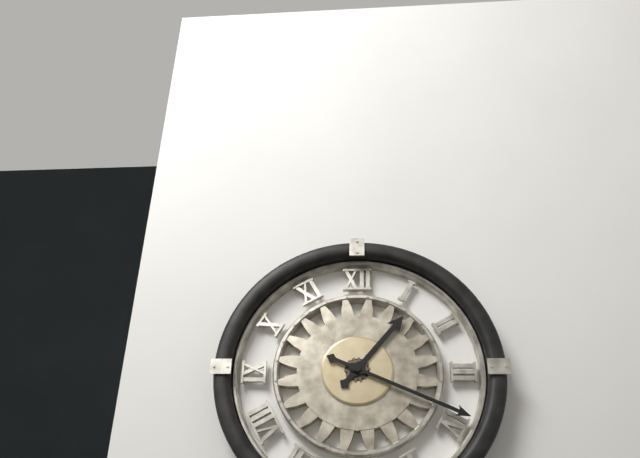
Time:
1.19
